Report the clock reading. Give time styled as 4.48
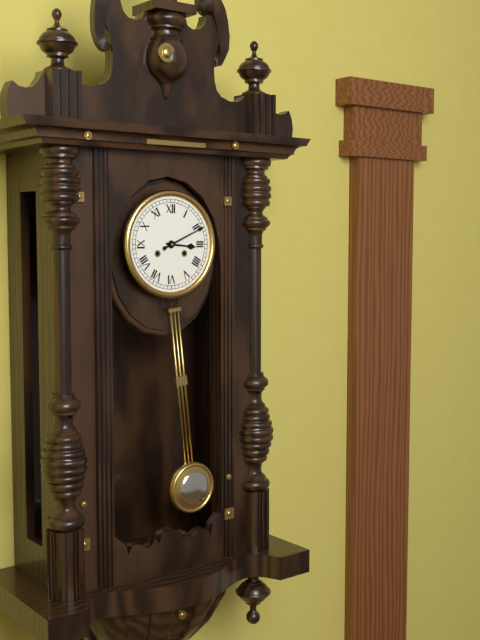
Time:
3.11
